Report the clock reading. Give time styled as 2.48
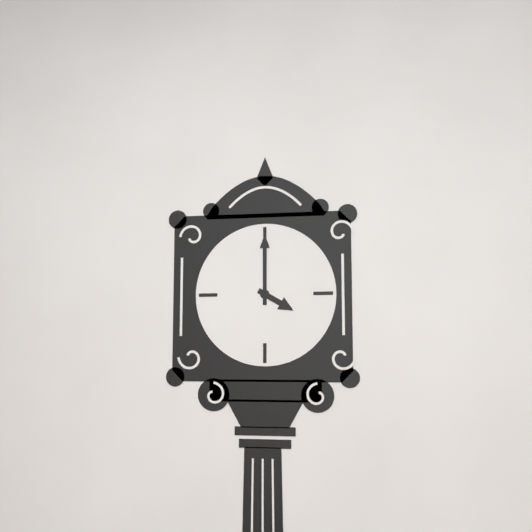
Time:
4.00
